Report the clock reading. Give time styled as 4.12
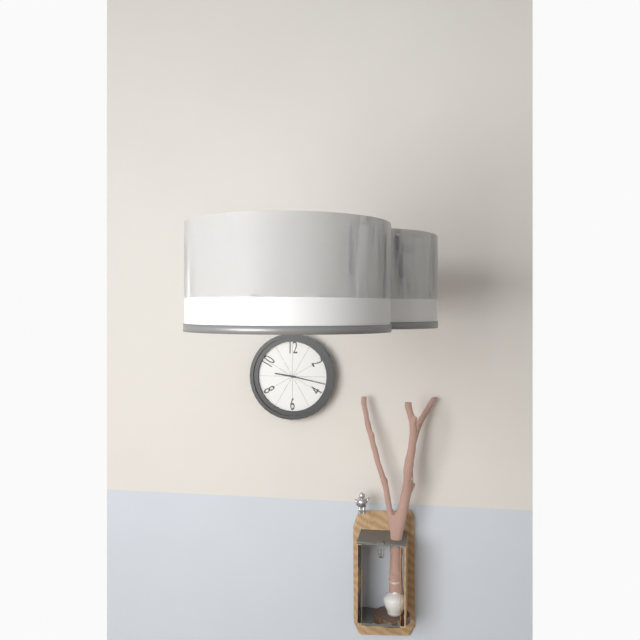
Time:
9.17
